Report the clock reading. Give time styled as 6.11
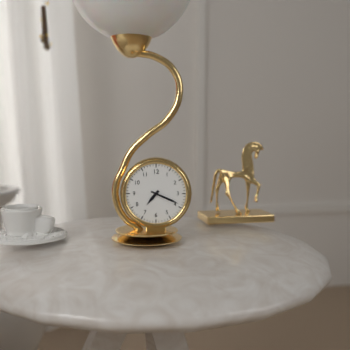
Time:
7.19
